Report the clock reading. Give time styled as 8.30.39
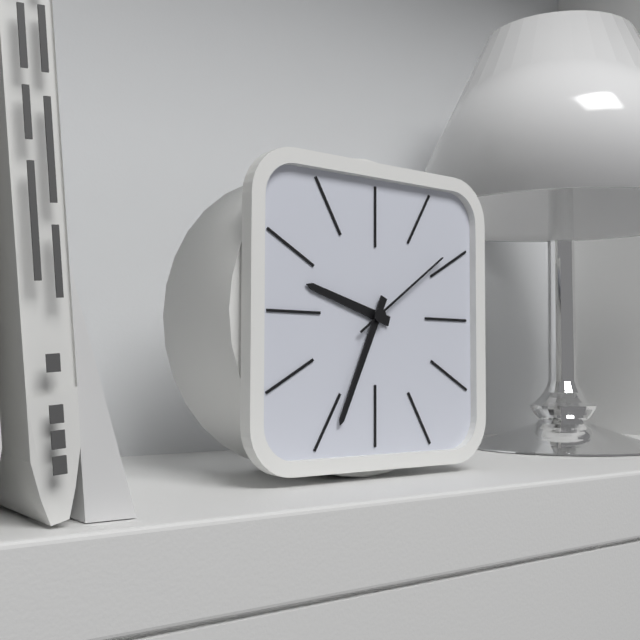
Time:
9.34.09
